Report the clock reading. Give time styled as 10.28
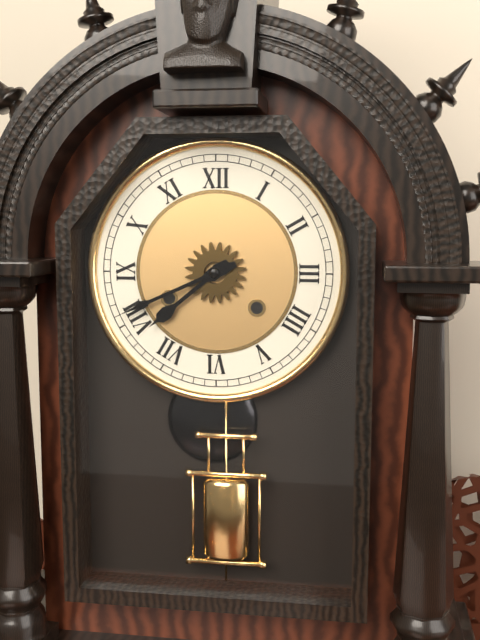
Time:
7.41
